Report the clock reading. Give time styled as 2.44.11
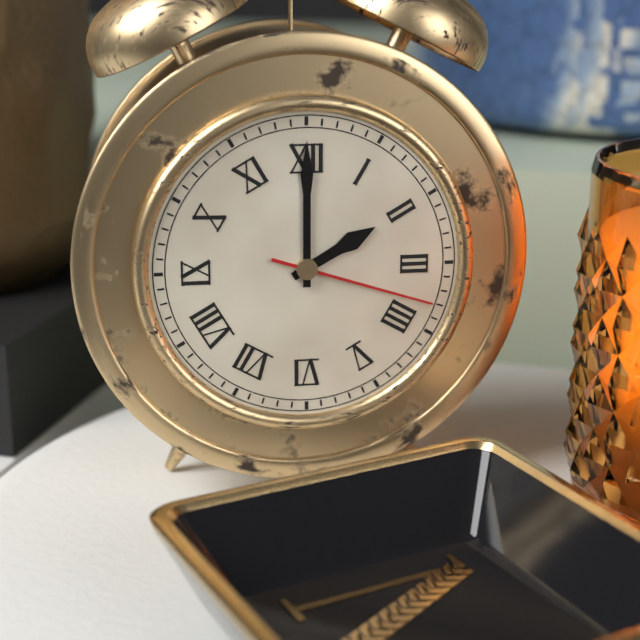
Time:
2.00.18
